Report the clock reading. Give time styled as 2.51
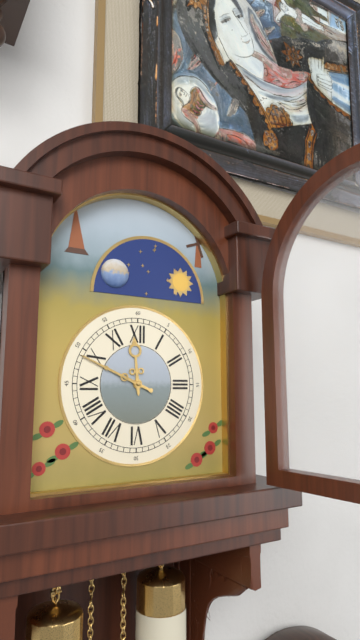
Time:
11.49
